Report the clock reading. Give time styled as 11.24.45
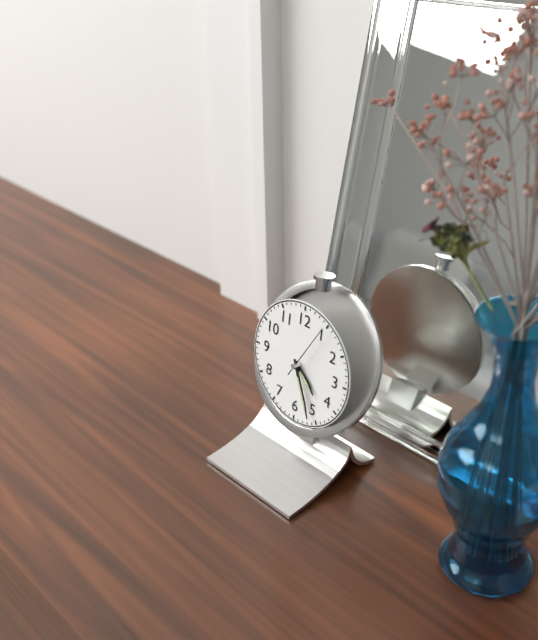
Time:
4.26.05
